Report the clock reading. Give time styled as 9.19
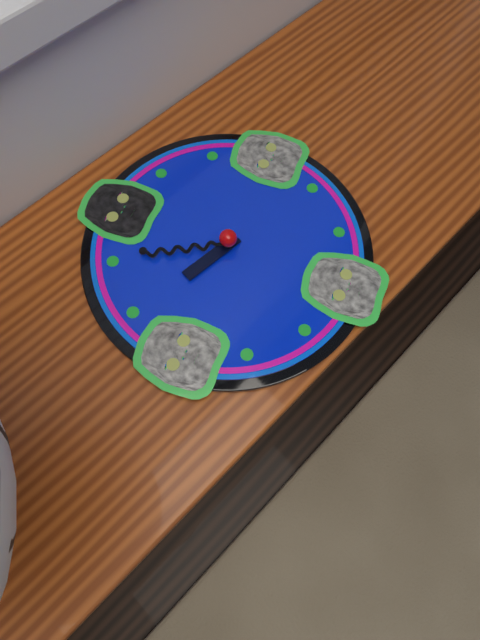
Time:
9.55
